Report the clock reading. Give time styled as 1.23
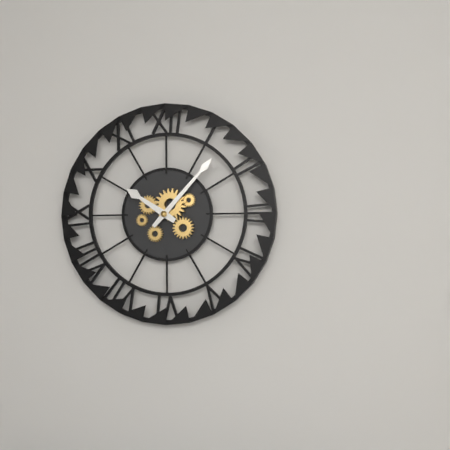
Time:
10.07
